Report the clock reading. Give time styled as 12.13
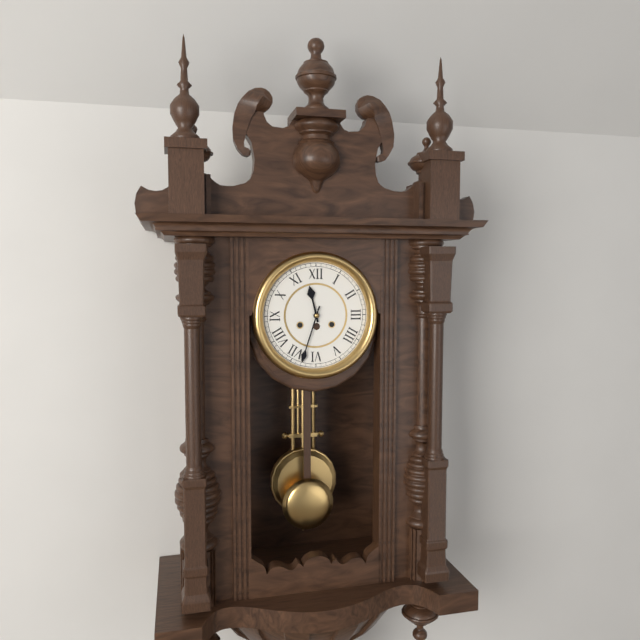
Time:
11.33
